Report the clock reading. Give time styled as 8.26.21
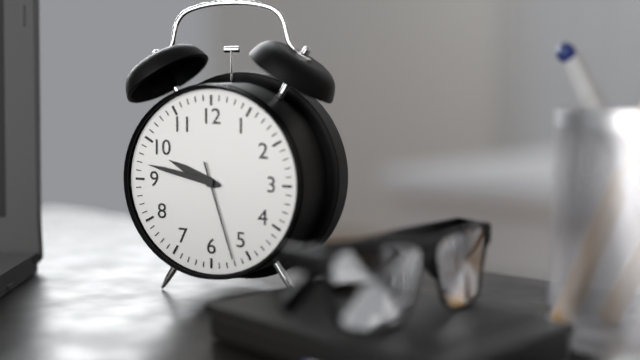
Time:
9.47.27
